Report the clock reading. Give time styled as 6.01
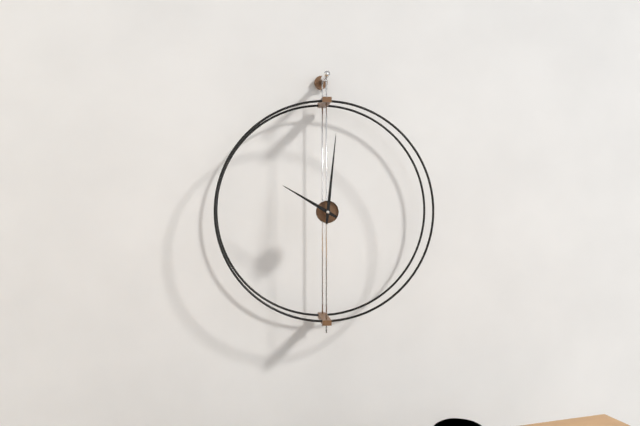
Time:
10.01
